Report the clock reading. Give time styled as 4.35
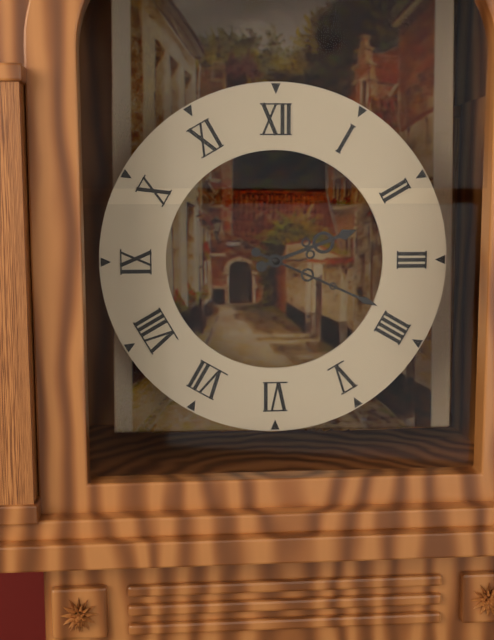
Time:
2.19
